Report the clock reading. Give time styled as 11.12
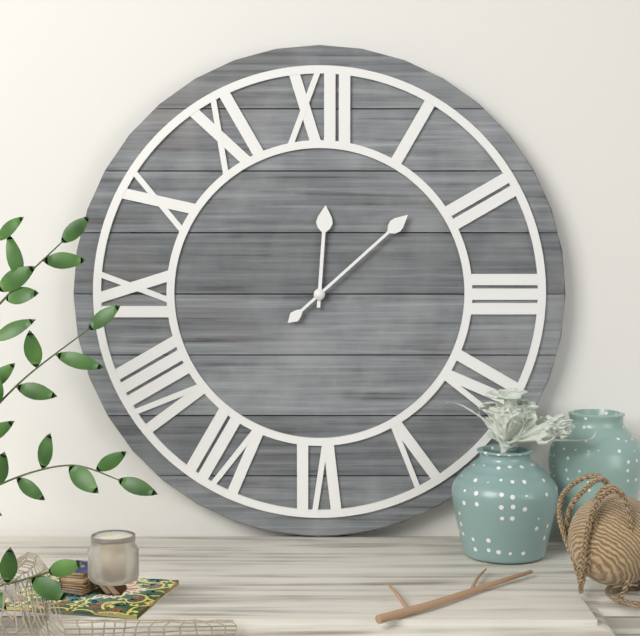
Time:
12.08
